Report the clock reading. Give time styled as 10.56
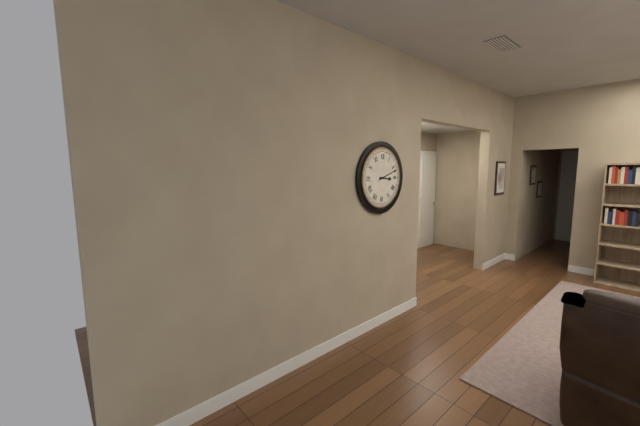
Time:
3.12
